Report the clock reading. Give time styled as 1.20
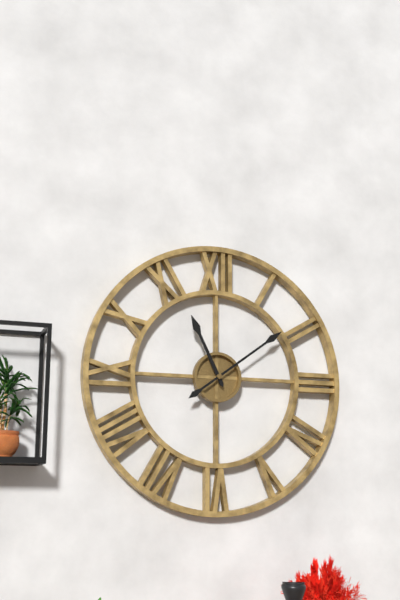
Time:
11.09
